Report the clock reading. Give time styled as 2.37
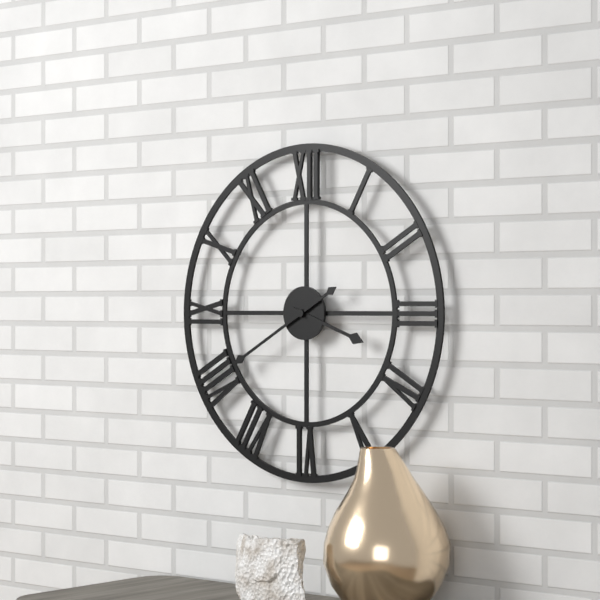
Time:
3.40
